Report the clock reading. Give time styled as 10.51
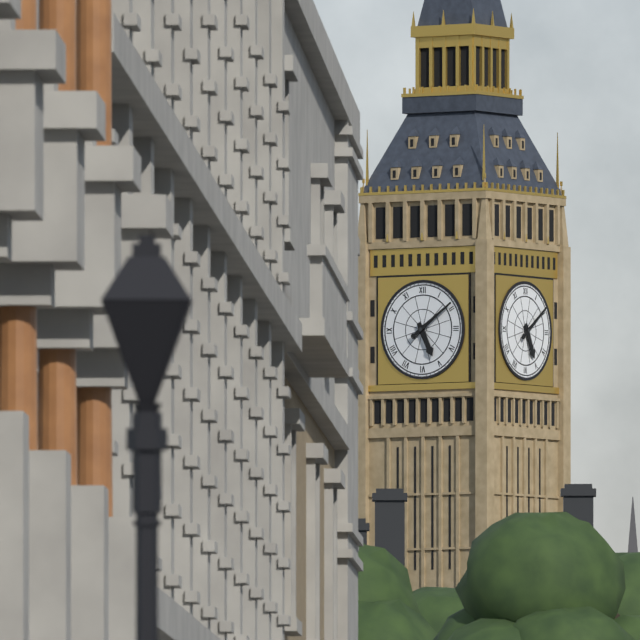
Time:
5.09
